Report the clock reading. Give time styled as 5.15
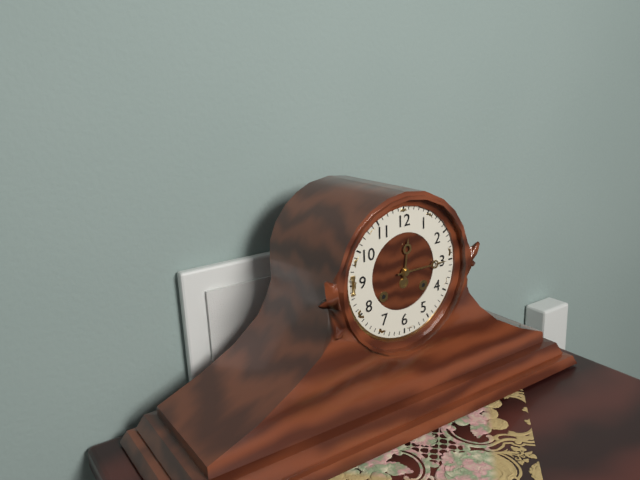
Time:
12.15
